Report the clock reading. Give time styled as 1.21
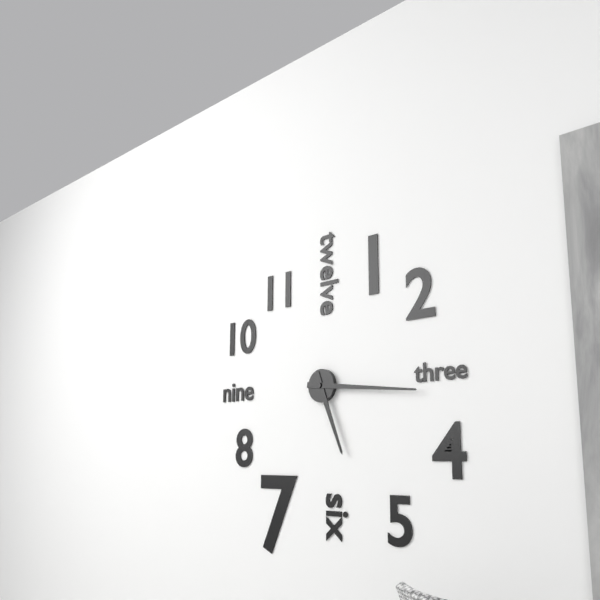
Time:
5.16
